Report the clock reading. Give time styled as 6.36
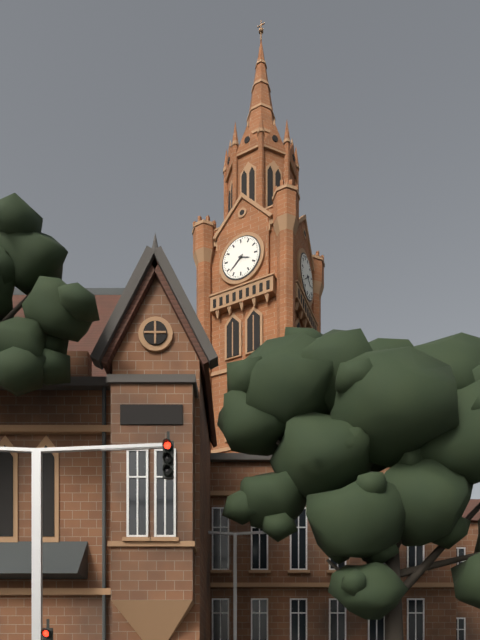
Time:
3.38
